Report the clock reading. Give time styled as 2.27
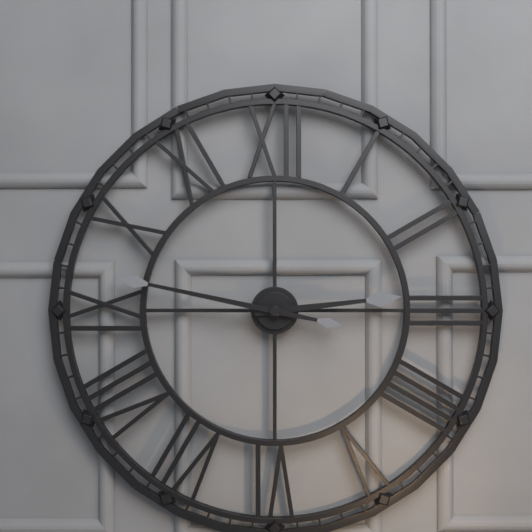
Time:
2.47
